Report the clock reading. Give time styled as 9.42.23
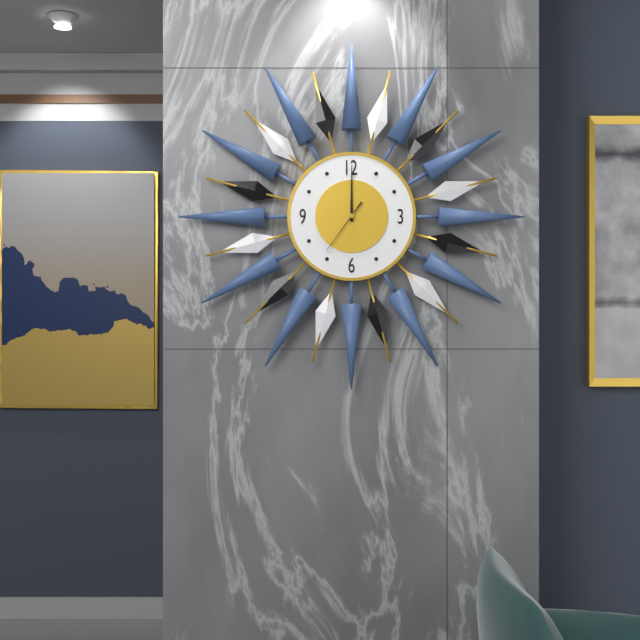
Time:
12.00.36
